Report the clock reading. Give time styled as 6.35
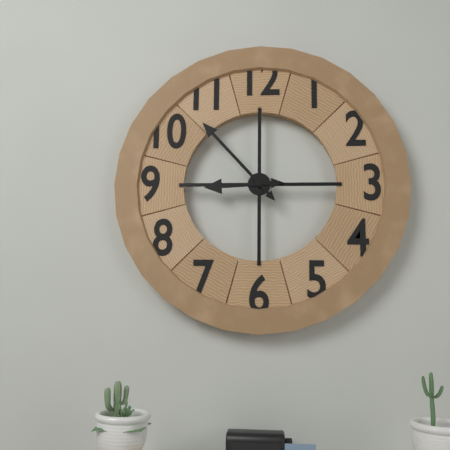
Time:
8.53
